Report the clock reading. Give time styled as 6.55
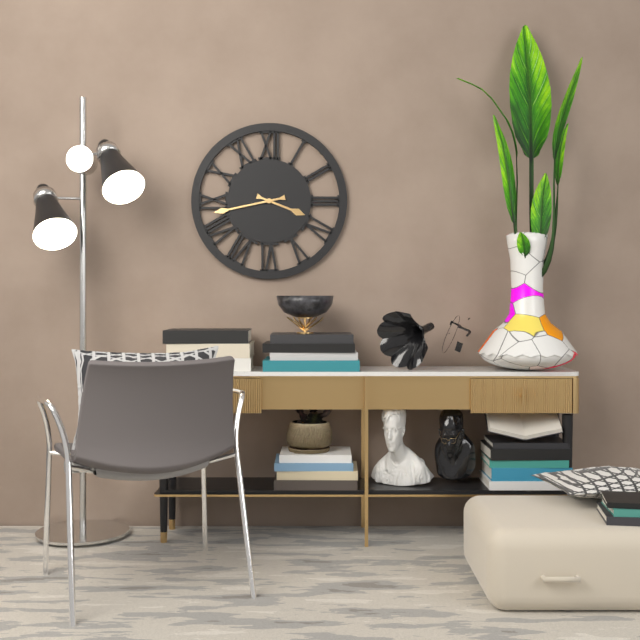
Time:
3.43
